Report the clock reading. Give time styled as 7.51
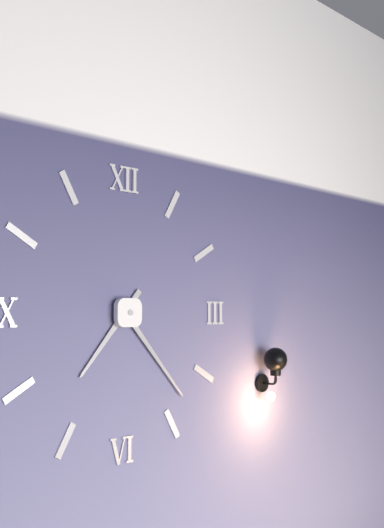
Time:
7.23
